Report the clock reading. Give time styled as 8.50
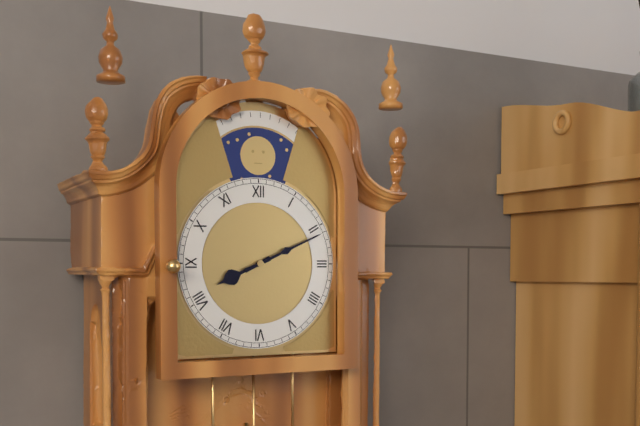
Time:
8.11
